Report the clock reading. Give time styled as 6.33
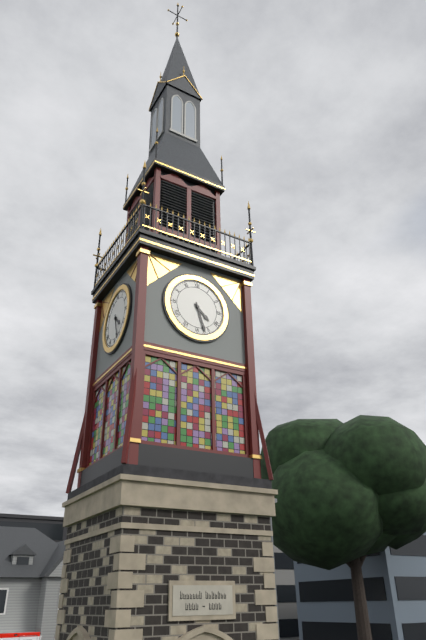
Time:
4.27
